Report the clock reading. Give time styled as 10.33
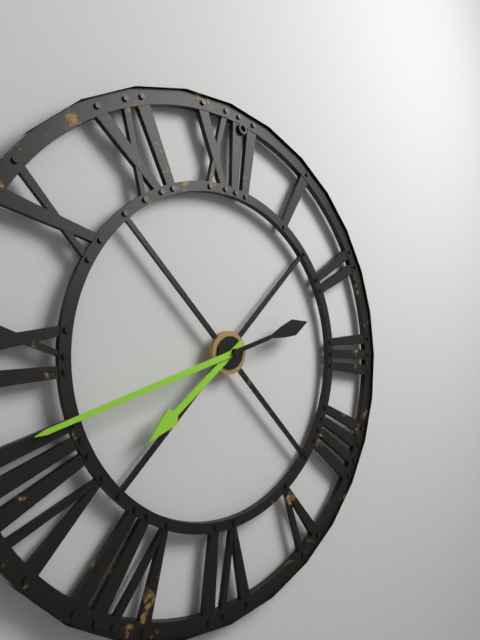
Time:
7.42
